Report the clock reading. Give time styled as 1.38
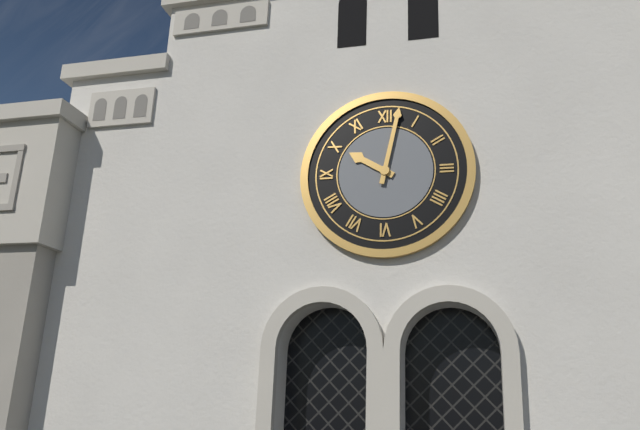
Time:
10.02
